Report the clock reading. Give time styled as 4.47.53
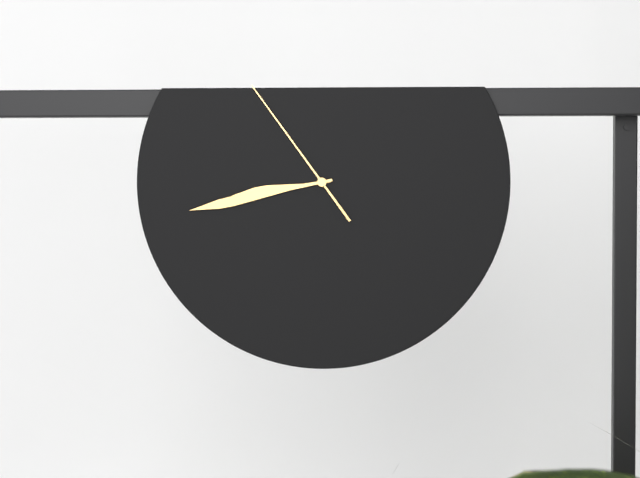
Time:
8.43.54
